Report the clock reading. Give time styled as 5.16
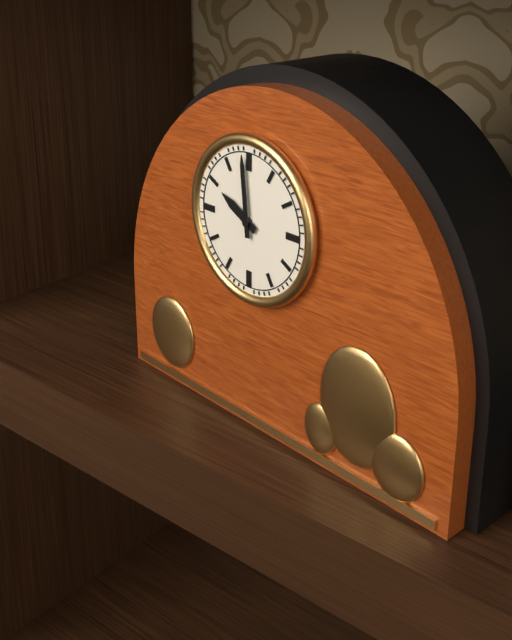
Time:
9.59
